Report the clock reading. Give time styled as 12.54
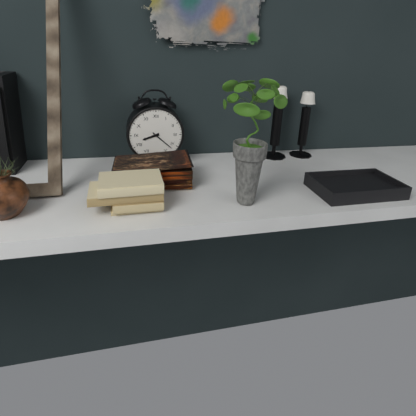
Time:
8.22
